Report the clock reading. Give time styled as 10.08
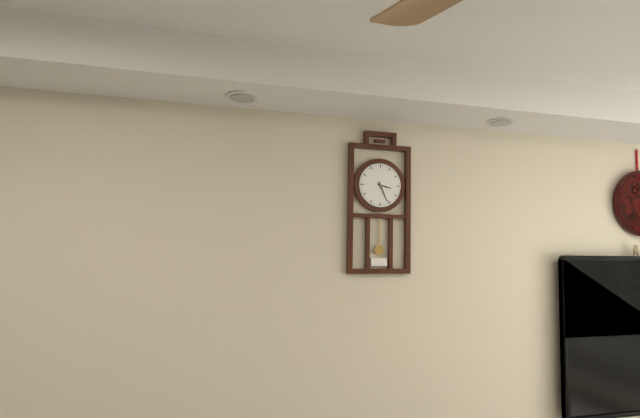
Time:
3.26
